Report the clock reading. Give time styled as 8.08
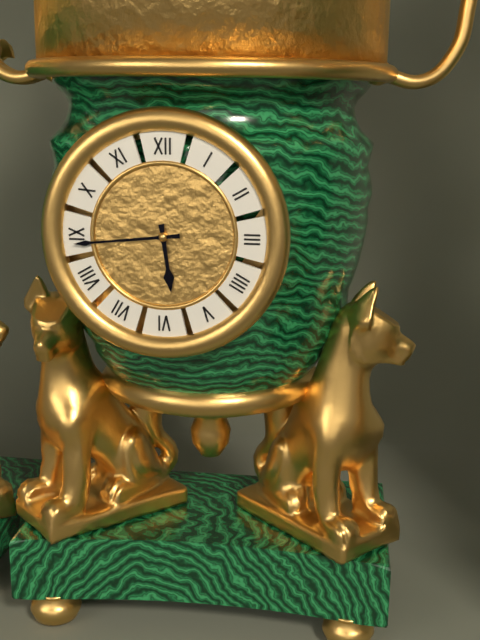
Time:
5.44
